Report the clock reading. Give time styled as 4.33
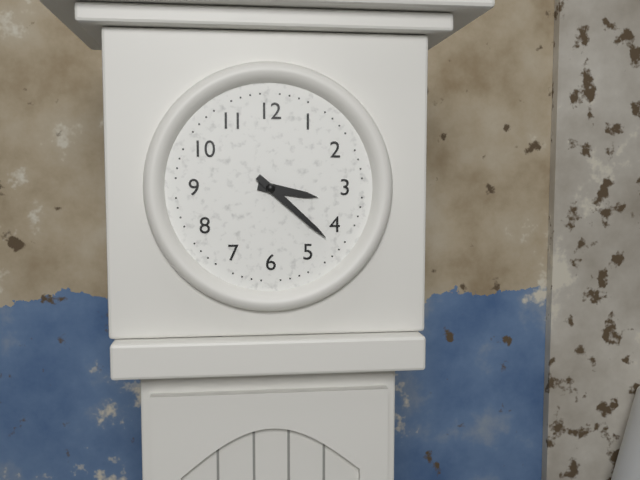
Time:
3.22
